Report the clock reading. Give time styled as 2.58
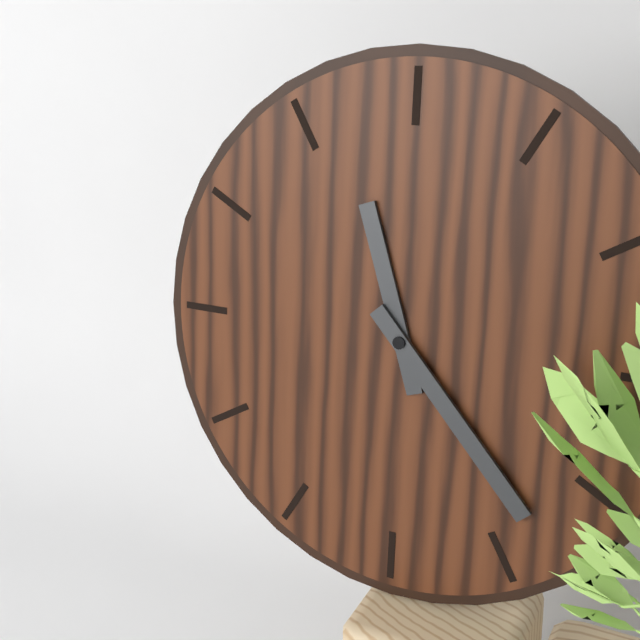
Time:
11.23
